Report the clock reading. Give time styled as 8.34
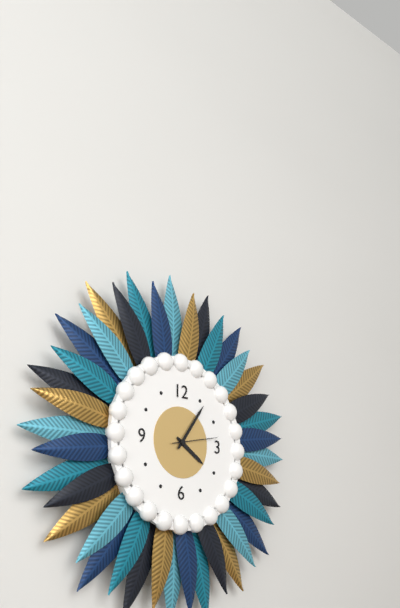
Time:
4.06
